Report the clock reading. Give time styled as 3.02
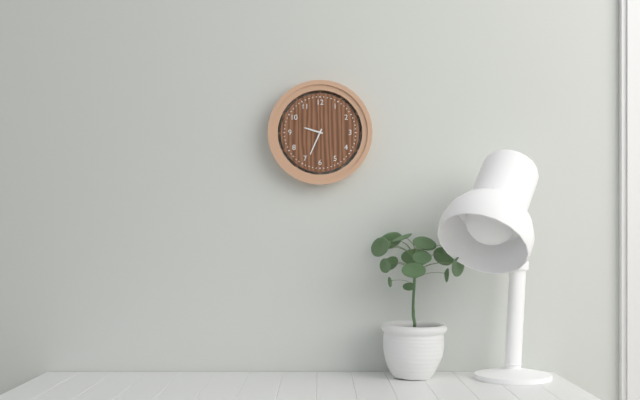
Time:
9.34
